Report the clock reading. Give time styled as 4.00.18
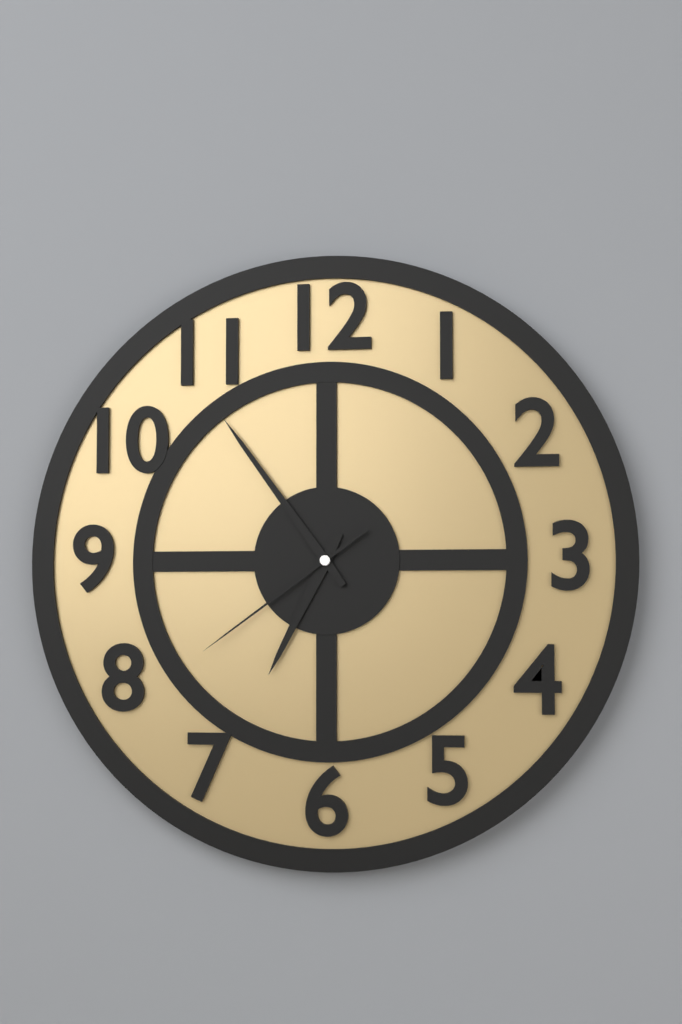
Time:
6.54.39
